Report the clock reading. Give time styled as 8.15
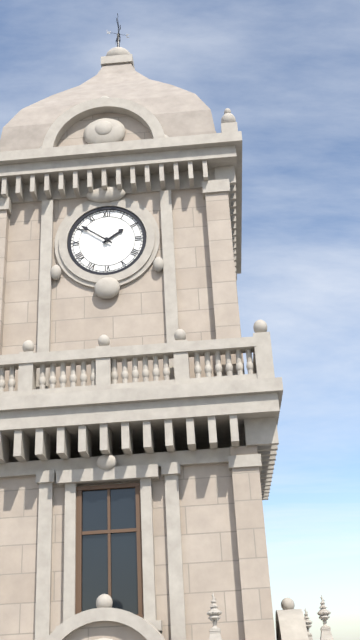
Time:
1.51
